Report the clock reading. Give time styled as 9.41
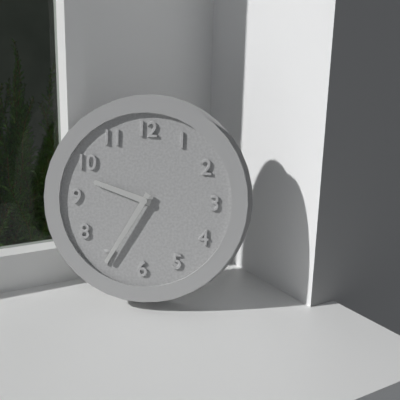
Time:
9.35
